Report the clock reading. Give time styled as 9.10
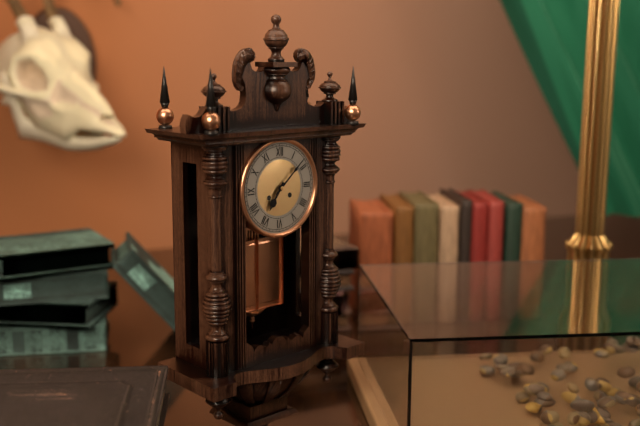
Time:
7.08
